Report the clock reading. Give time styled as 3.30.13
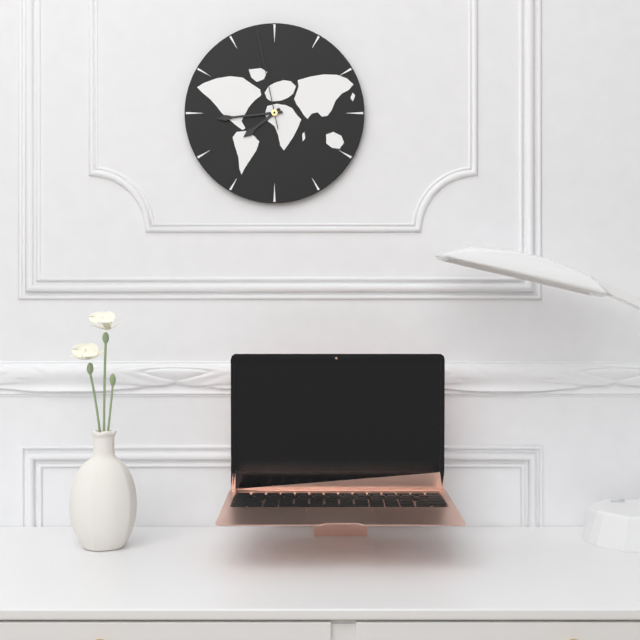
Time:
7.44.58
